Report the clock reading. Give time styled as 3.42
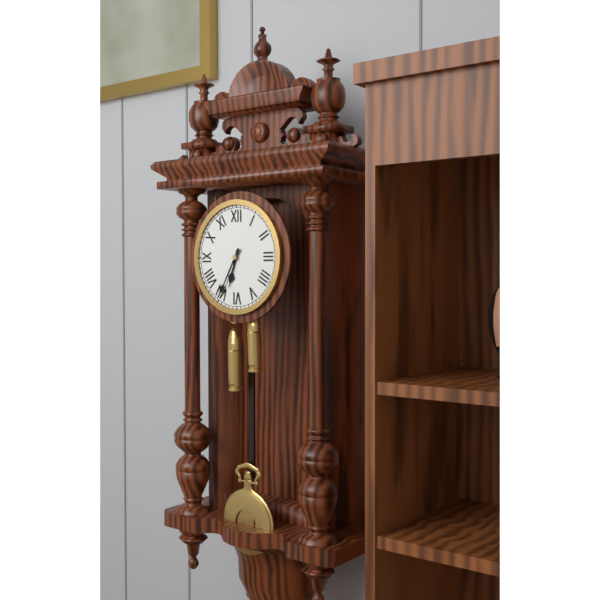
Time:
6.35
